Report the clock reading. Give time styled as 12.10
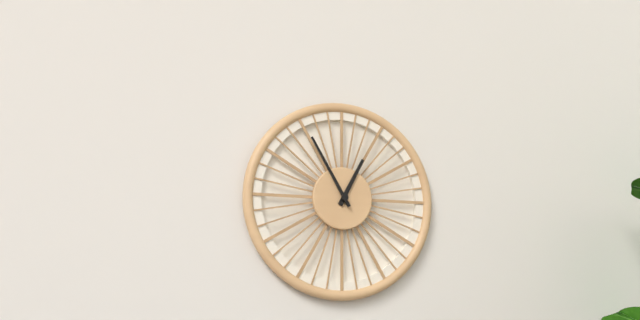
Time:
12.55
